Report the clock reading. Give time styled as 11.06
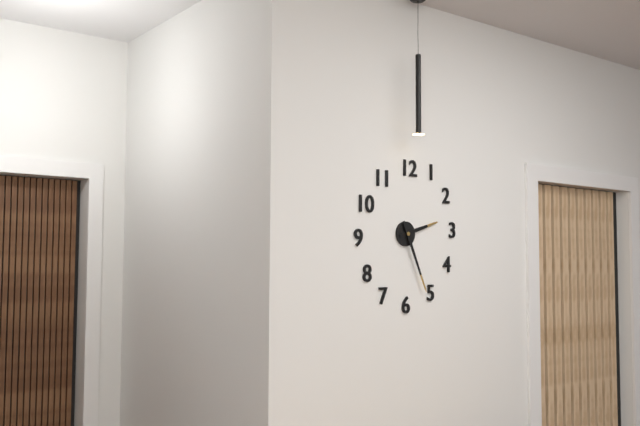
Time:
2.26
